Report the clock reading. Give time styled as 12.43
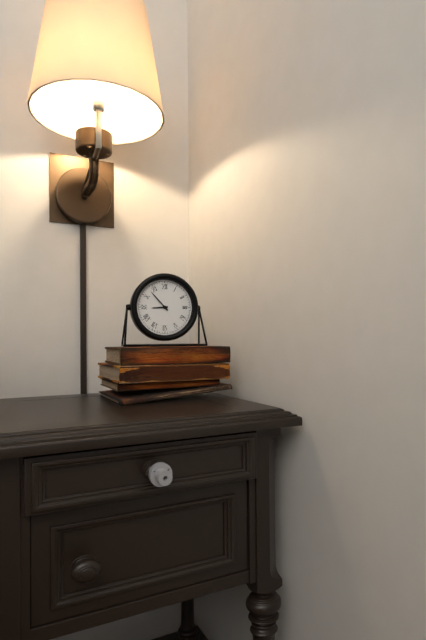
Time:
8.53
